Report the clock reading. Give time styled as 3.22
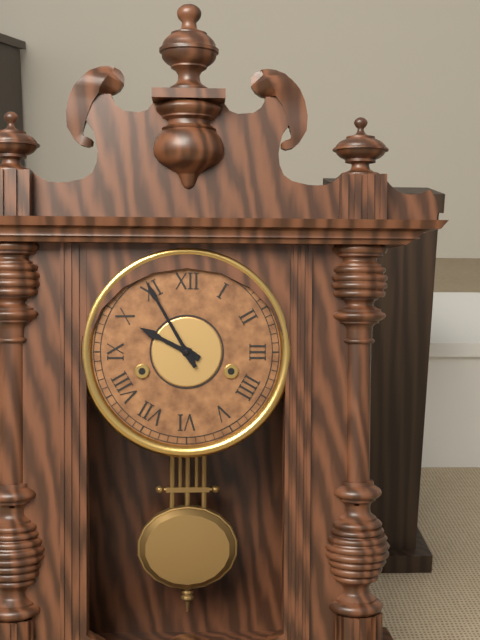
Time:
9.55
